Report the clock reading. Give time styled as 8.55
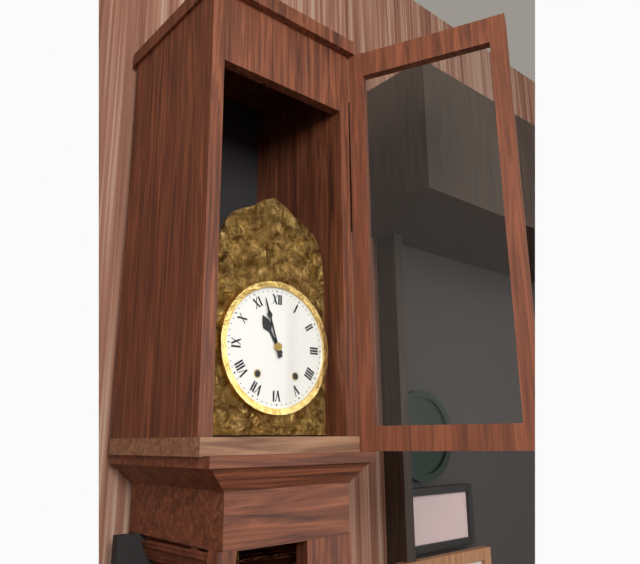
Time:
10.57
